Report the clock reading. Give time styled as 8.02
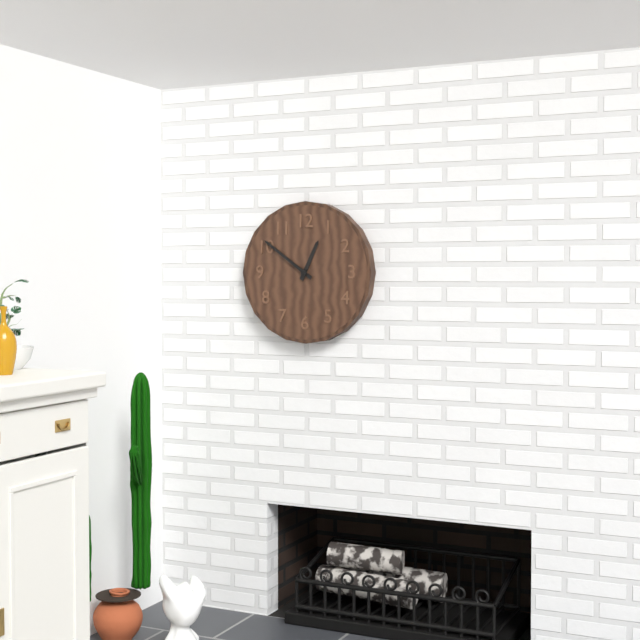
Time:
12.51
